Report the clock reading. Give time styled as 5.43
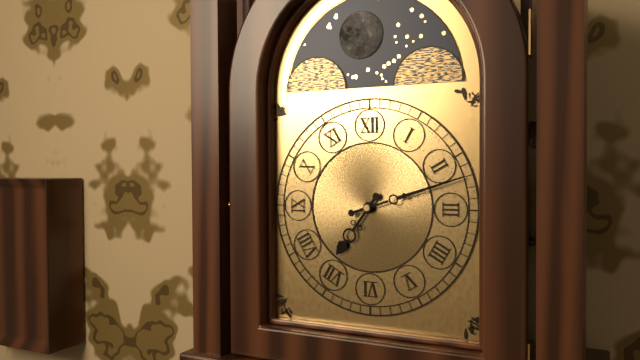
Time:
7.12
